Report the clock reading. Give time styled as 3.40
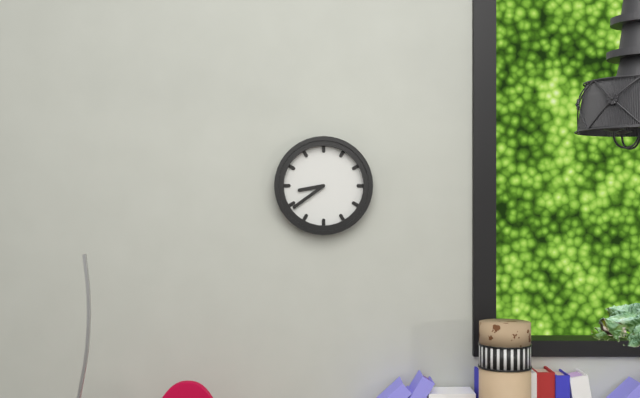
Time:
8.39
